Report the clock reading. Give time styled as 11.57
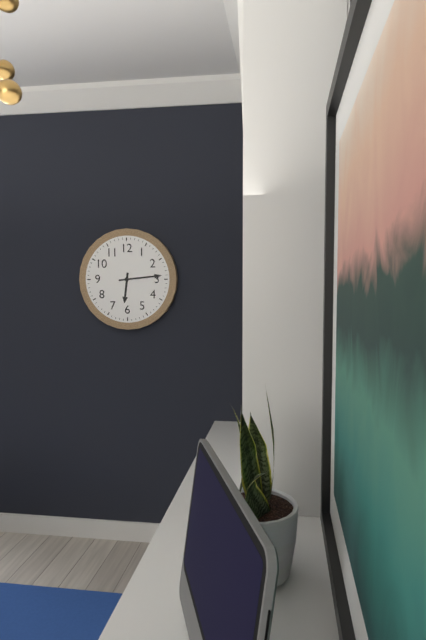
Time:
6.14
